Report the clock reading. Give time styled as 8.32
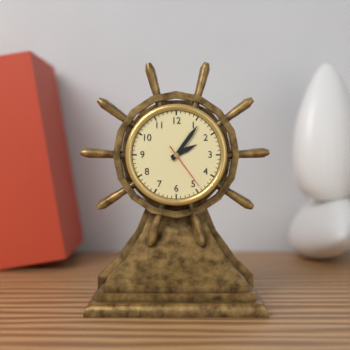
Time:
2.06
